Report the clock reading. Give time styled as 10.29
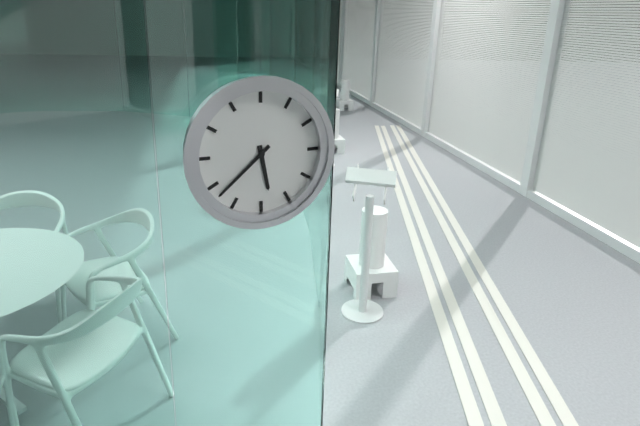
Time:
5.38
